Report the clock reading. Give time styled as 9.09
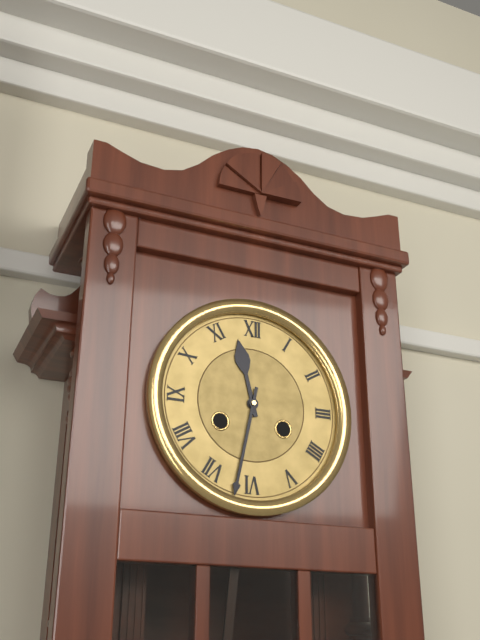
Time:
11.32
